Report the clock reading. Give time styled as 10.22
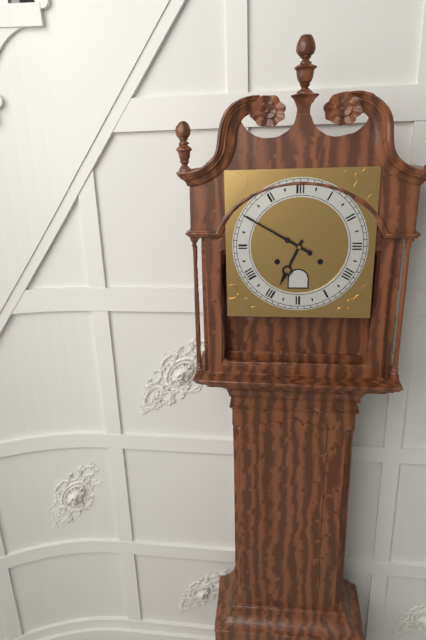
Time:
6.50
